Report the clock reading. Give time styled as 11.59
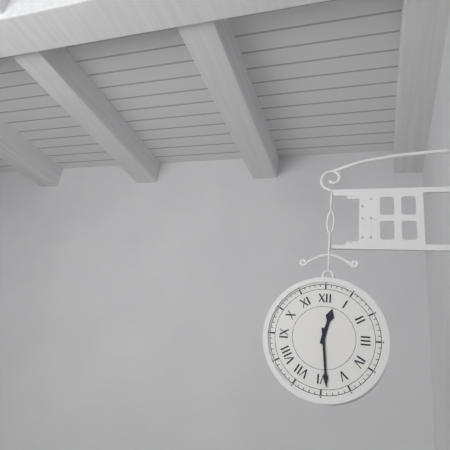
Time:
12.29
